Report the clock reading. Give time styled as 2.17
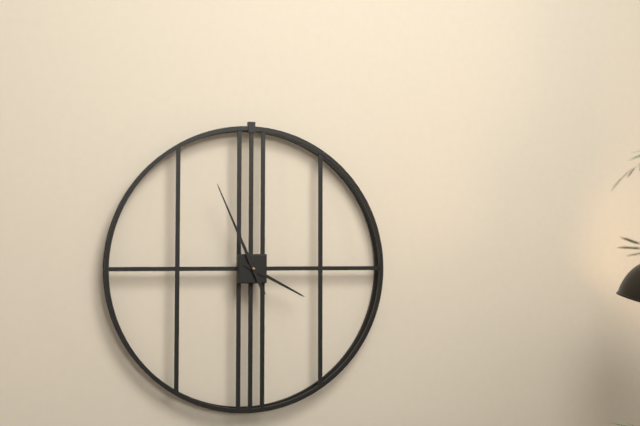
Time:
3.56
